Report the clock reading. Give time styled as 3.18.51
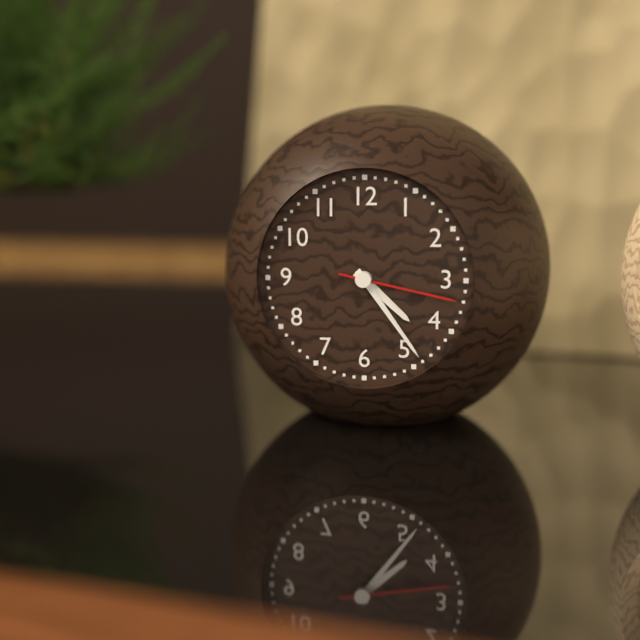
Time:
4.24.17
